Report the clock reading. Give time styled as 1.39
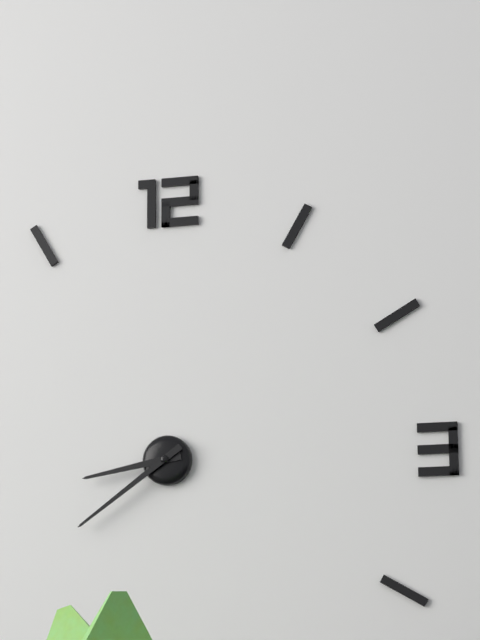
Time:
8.39
